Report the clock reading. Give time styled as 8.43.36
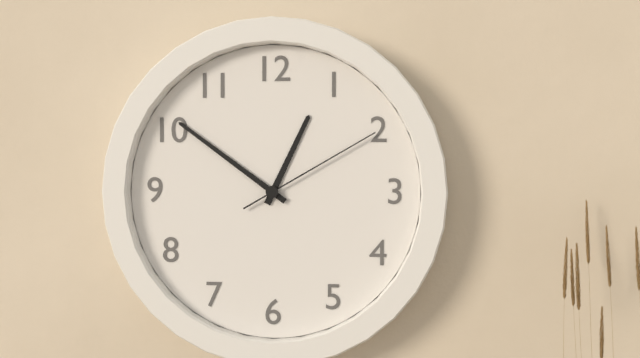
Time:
12.51.10
